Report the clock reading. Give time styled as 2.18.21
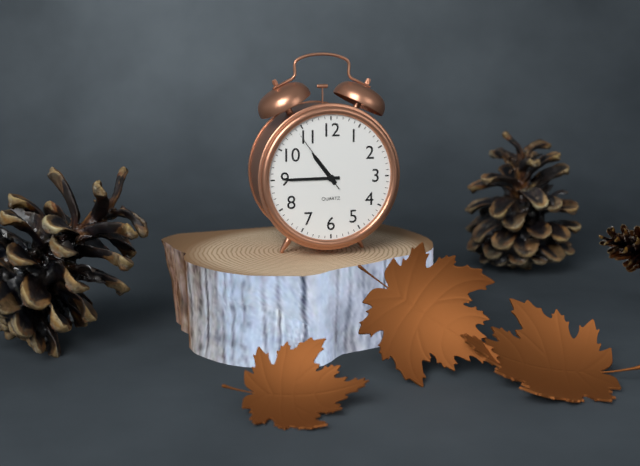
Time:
10.45.54
